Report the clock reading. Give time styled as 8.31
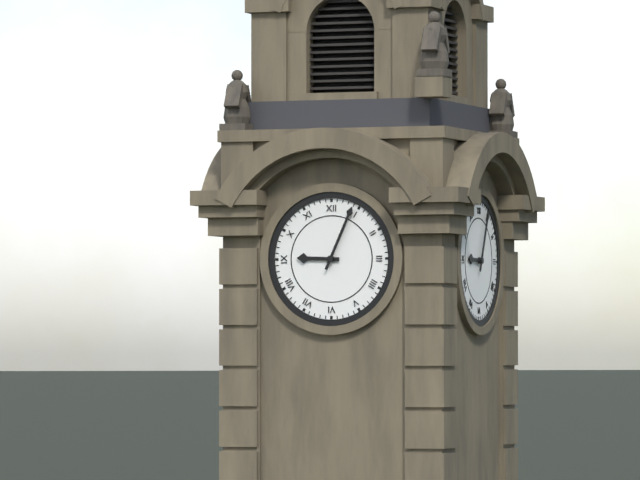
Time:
9.04
